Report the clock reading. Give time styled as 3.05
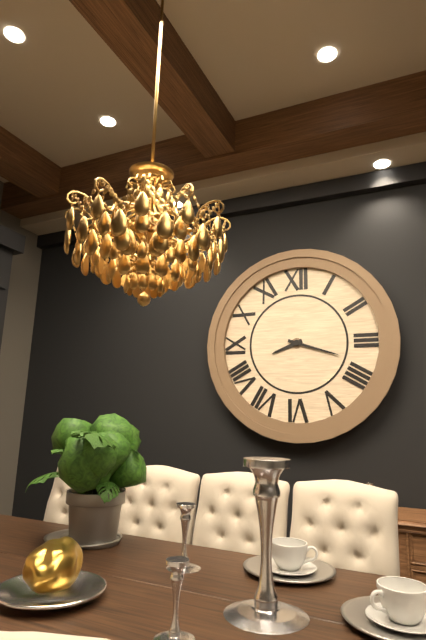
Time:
8.18
